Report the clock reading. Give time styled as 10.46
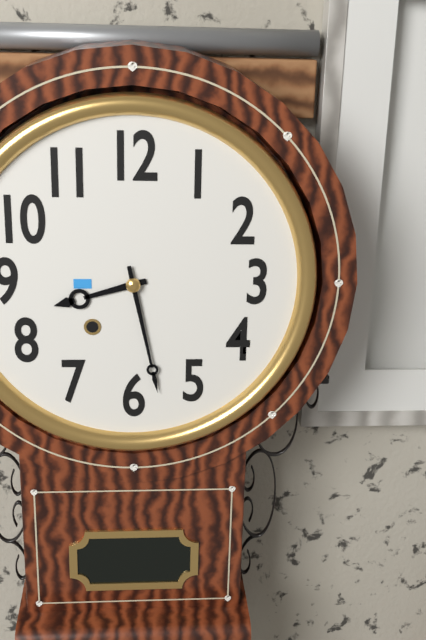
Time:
8.28
